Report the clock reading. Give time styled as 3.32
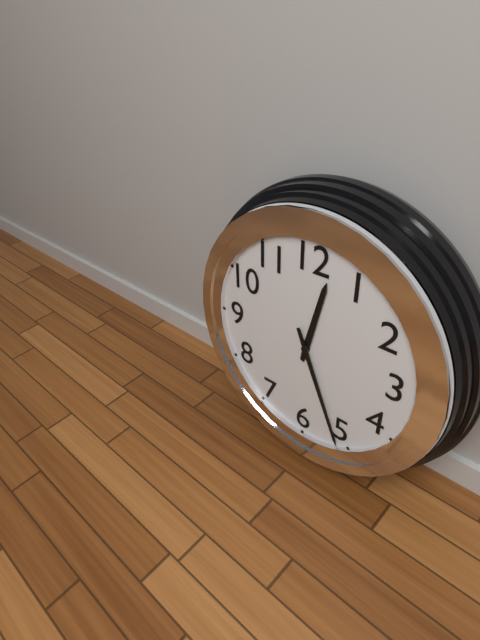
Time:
12.26
